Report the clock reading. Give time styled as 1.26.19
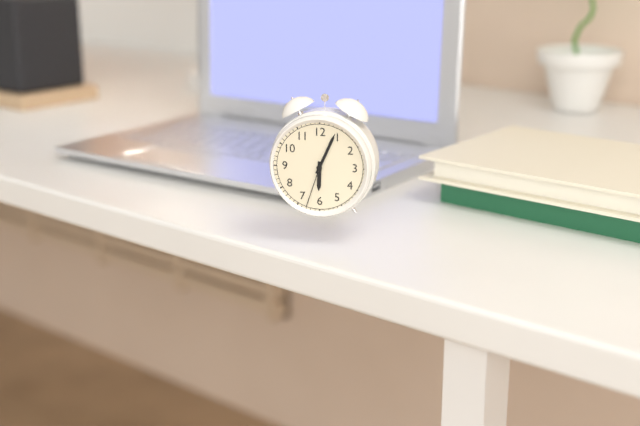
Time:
6.04.33
